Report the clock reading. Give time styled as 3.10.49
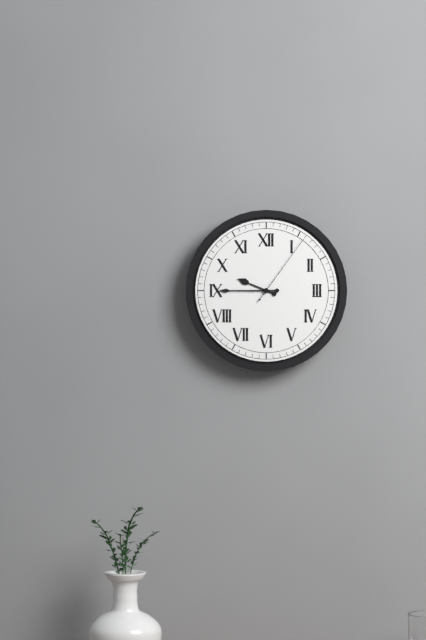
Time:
9.45.06
